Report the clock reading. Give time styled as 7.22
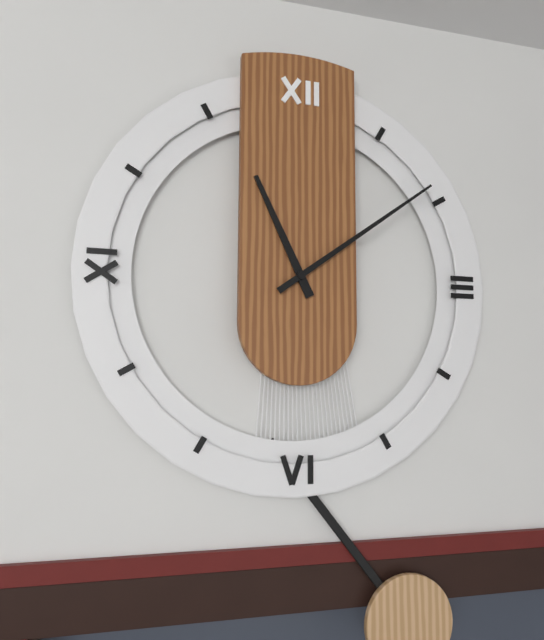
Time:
11.09
